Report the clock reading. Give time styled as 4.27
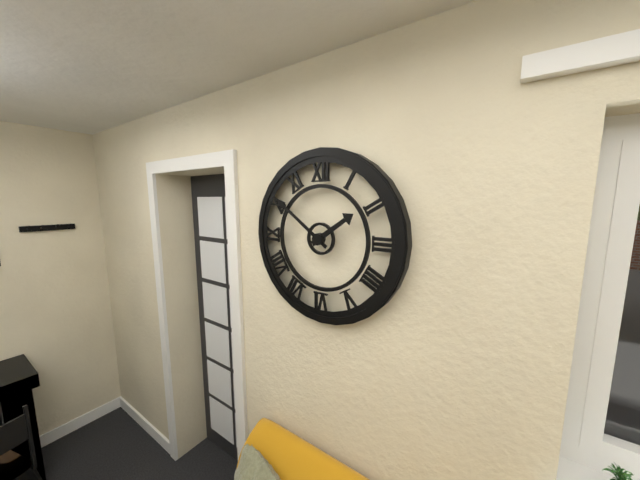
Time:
1.51
